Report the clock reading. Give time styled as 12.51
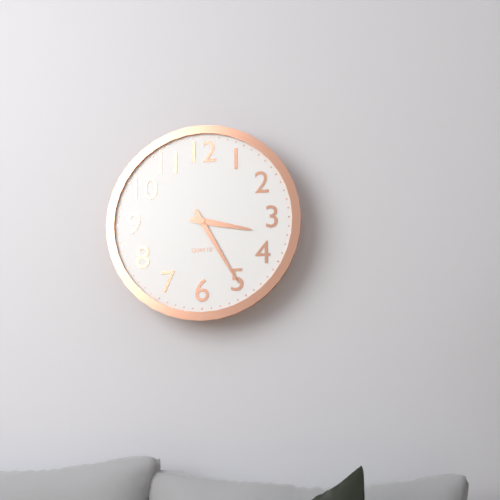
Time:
3.25
